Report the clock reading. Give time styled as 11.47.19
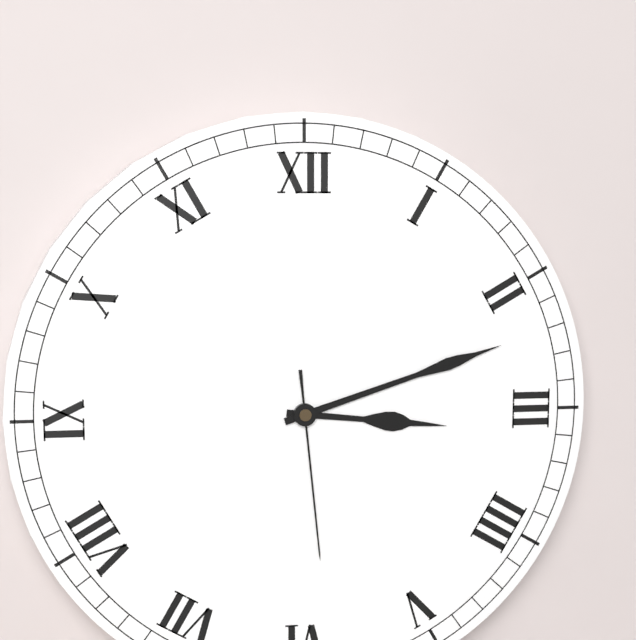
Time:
3.12.29
